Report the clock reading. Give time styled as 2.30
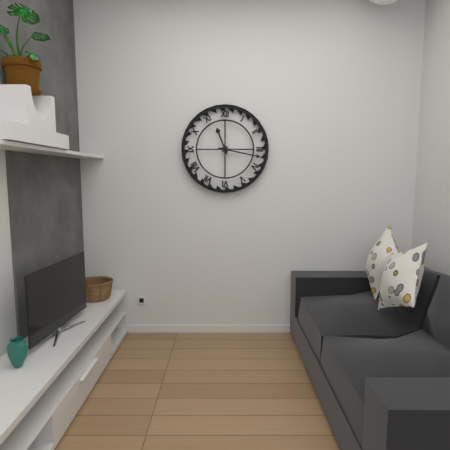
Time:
11.17
